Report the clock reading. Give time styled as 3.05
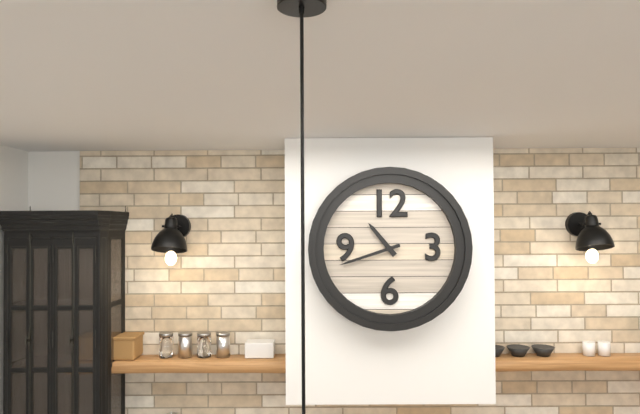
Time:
10.42
